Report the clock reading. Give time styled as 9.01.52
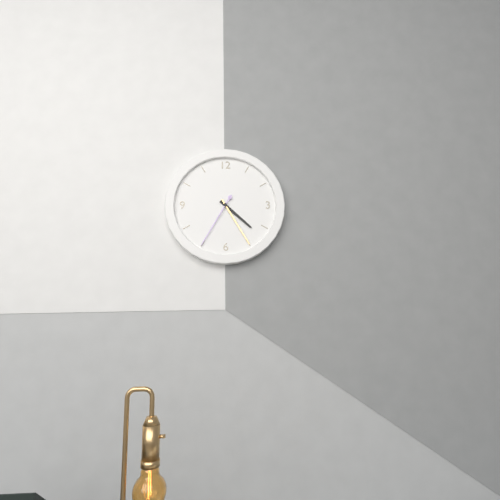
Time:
4.25.35
